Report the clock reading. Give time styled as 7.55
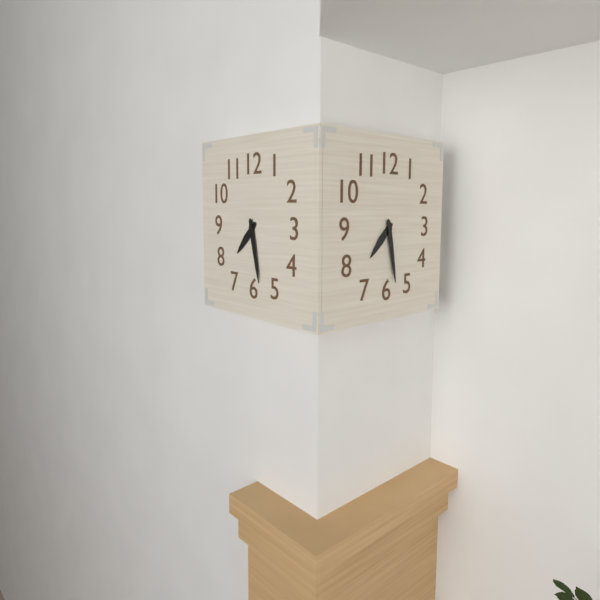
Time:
7.28
